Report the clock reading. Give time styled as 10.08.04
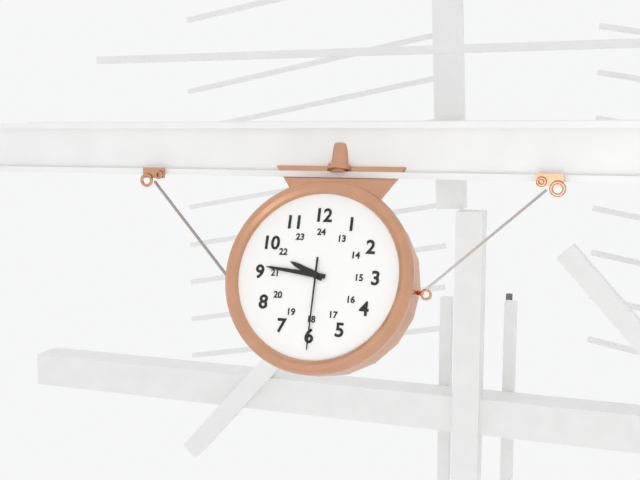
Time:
9.46.30
